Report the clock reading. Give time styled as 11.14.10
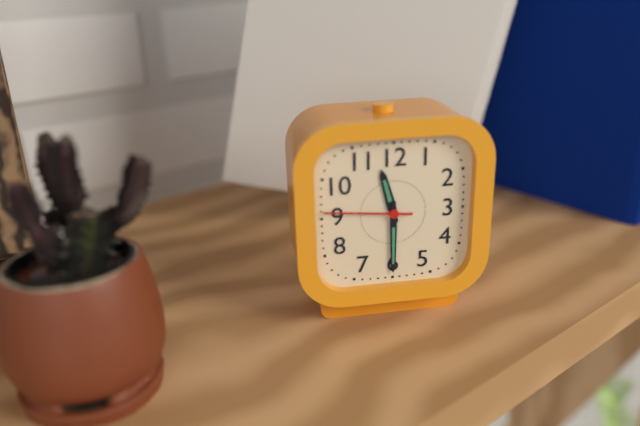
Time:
11.30.46
